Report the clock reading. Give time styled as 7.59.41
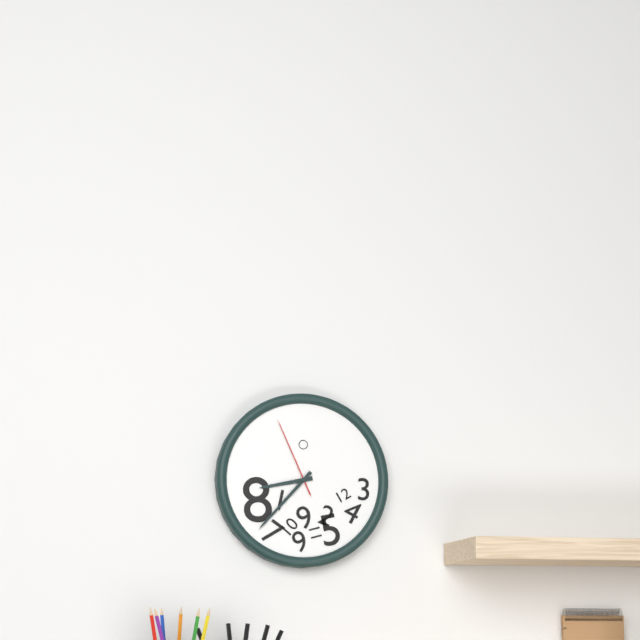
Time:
8.37.56
